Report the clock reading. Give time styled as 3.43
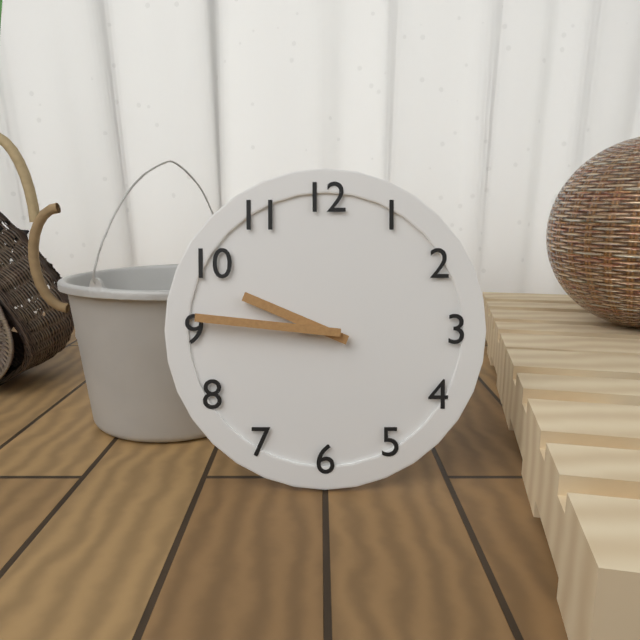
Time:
9.46
